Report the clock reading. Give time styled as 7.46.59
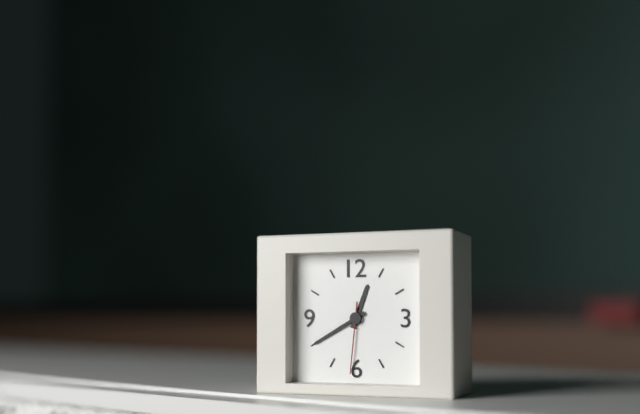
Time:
12.40.31
